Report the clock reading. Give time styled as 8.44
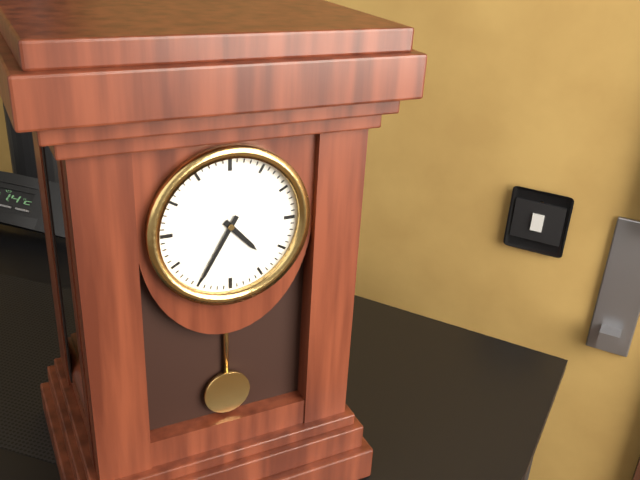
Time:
4.35
